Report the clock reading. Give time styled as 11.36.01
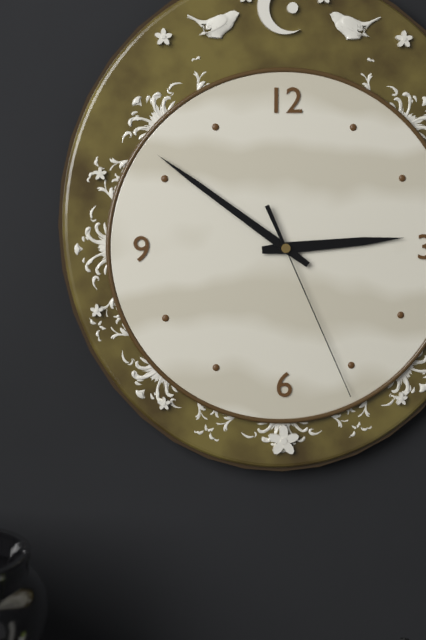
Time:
2.51.26
